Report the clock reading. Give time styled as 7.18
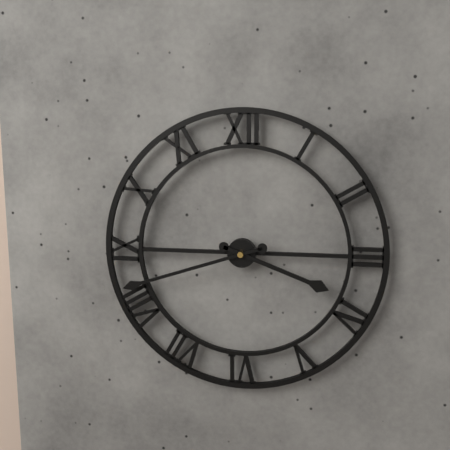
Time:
3.42
